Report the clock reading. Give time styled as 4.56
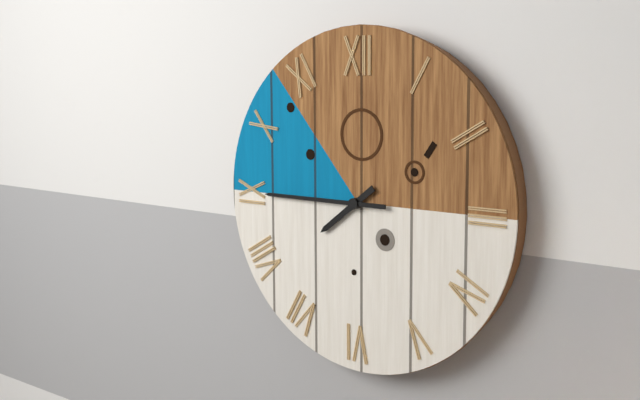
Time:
7.45
